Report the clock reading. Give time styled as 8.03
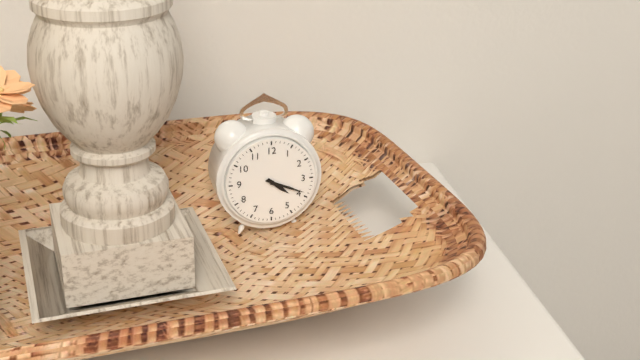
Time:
4.19
